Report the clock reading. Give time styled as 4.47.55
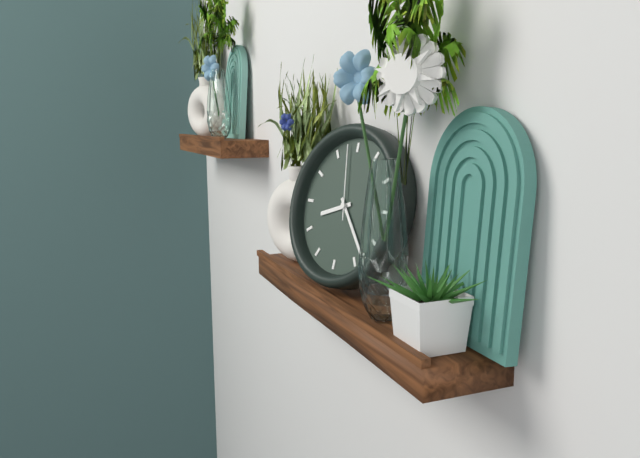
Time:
8.23.58
